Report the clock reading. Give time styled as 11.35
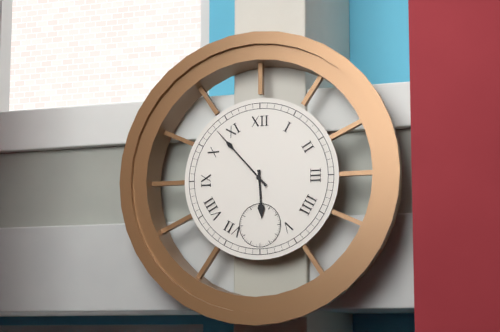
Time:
5.53
